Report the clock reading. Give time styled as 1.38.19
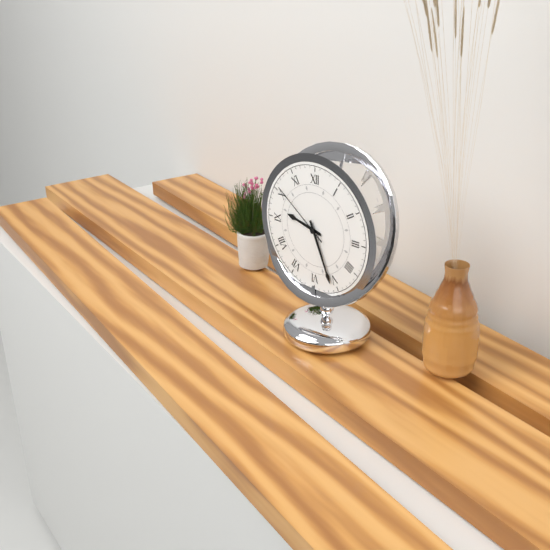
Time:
9.26.51
